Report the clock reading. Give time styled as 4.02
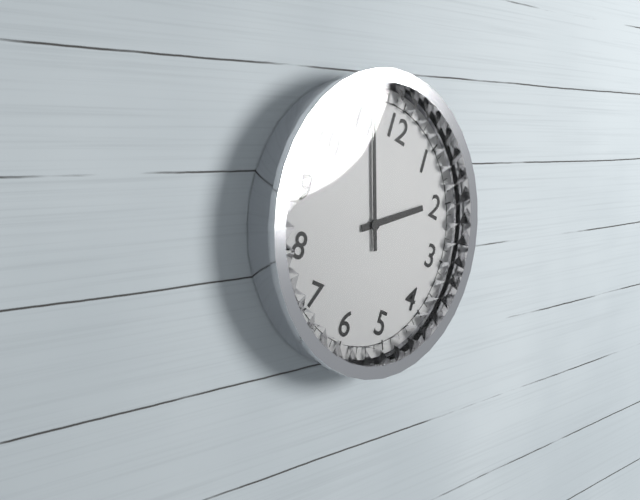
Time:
1.56
